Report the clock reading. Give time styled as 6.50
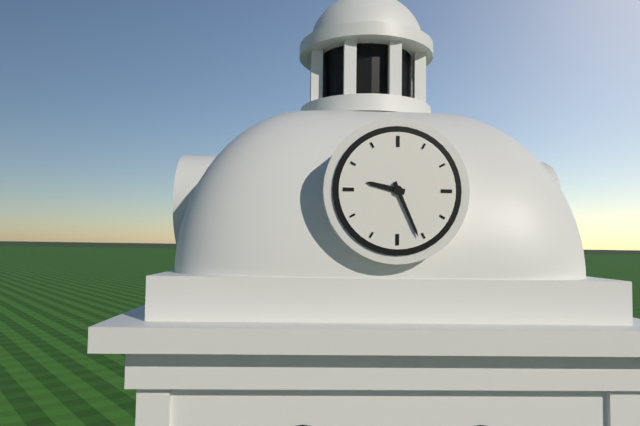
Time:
9.26
